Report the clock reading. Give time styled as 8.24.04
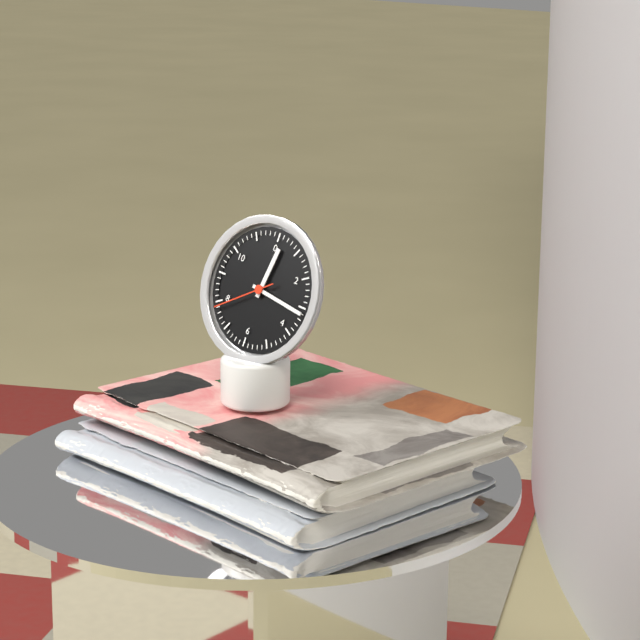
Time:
12.16.39
